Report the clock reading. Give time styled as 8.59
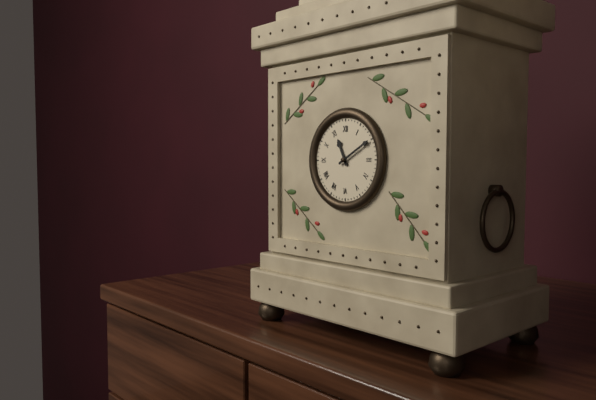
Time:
11.10
